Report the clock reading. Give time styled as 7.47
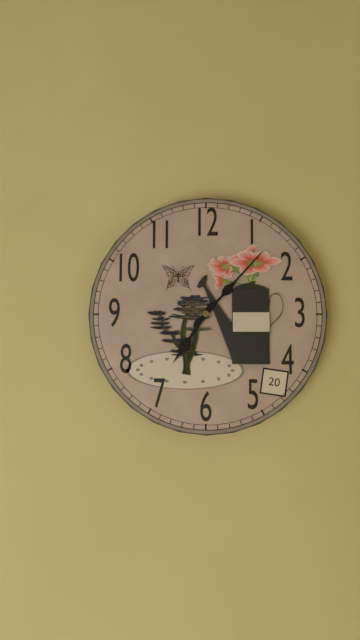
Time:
7.07
